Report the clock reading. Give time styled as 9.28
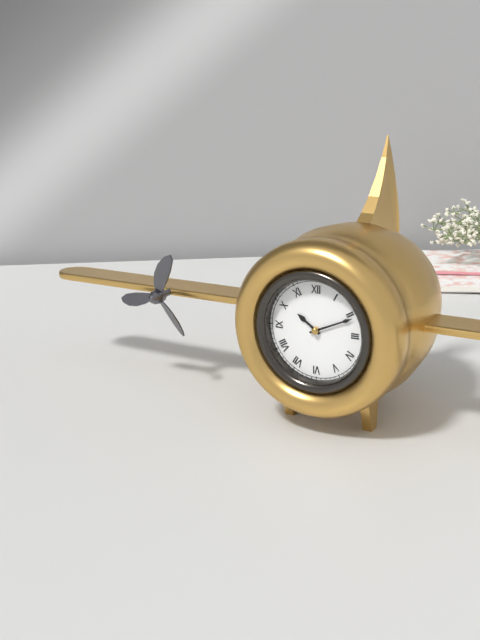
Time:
10.11
